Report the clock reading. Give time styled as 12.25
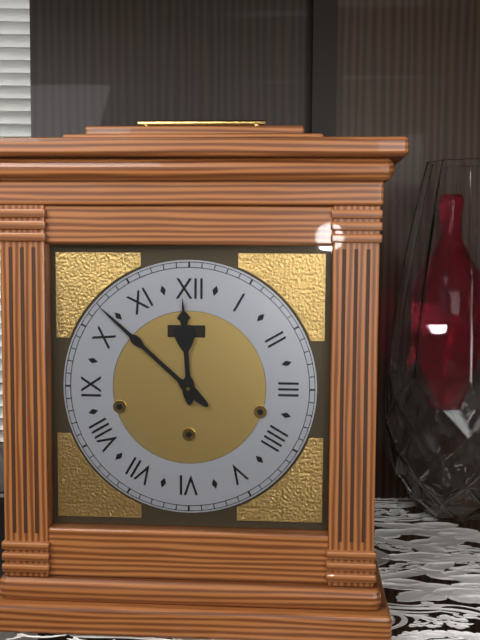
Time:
11.52
